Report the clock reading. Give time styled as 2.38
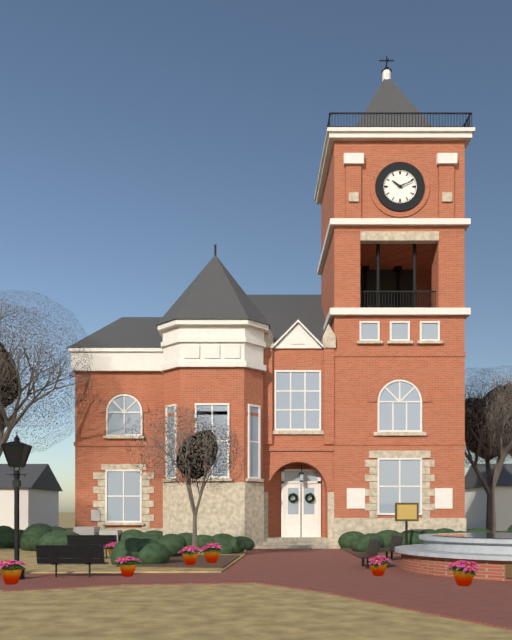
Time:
10.11
